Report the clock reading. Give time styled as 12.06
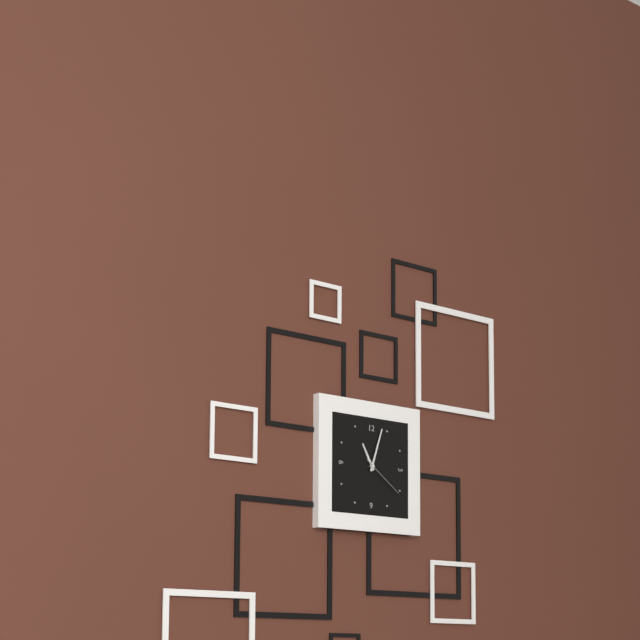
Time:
11.03
